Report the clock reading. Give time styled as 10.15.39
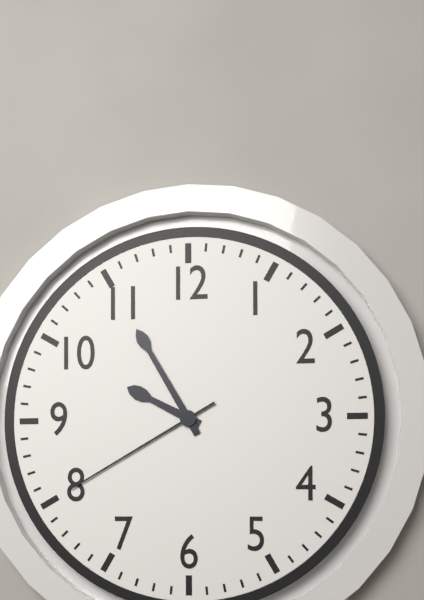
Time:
9.55.40
